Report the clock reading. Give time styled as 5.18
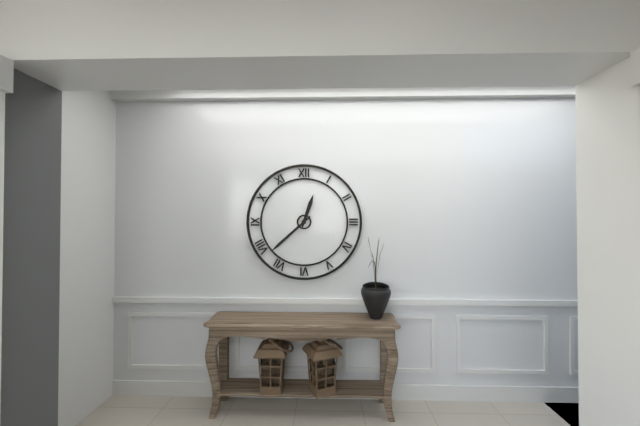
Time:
12.38
